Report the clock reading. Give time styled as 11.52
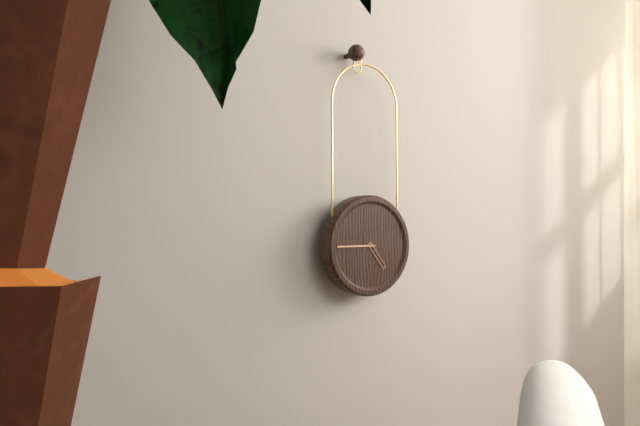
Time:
4.45
